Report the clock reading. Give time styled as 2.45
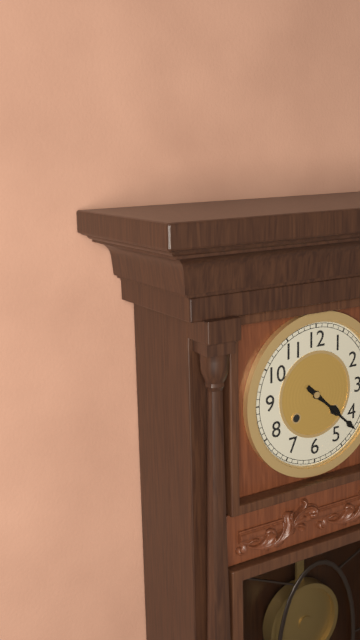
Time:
4.22
